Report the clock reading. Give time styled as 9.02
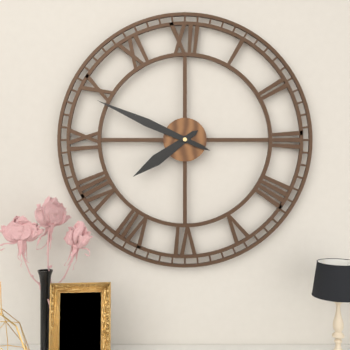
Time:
7.49
